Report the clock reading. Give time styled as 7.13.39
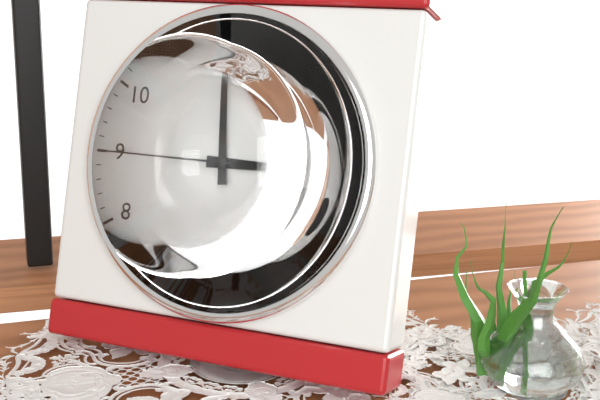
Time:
2.59.45
